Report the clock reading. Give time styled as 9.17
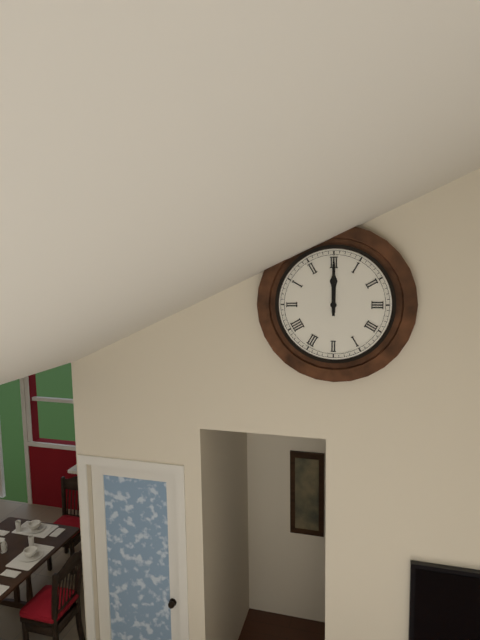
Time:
12.00
